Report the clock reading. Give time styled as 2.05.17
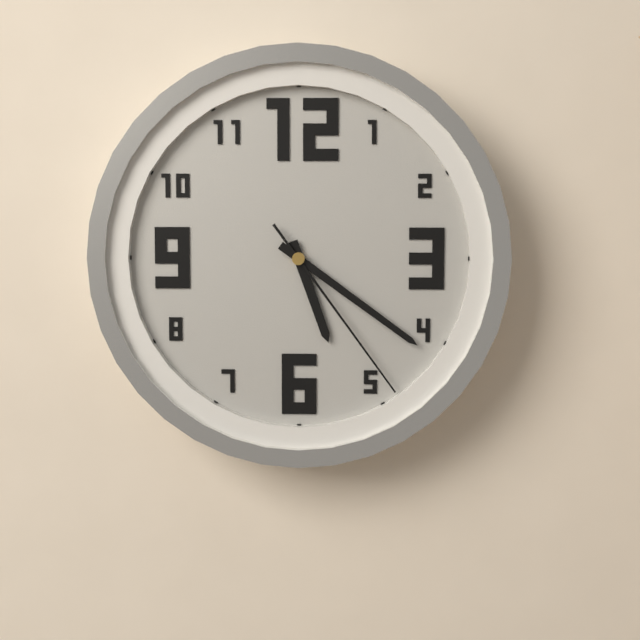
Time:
5.21.24
